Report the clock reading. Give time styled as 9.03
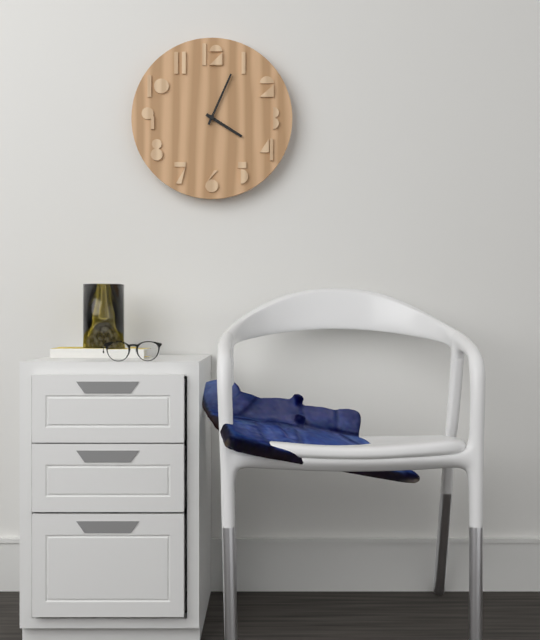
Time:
4.04
